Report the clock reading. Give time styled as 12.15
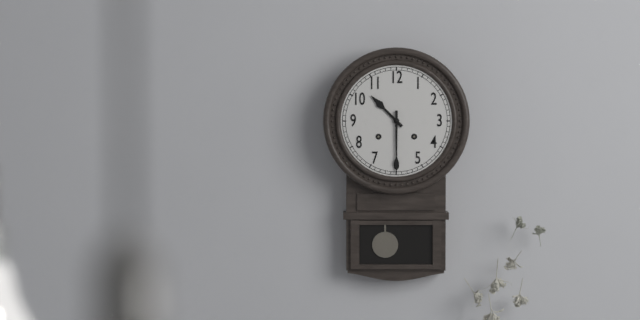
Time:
10.30
